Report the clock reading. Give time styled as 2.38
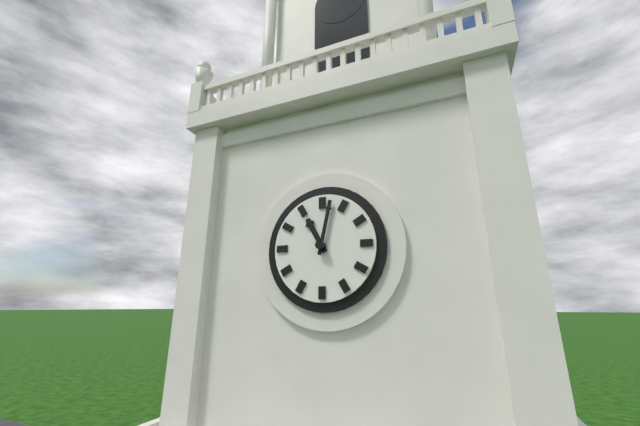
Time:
11.02
